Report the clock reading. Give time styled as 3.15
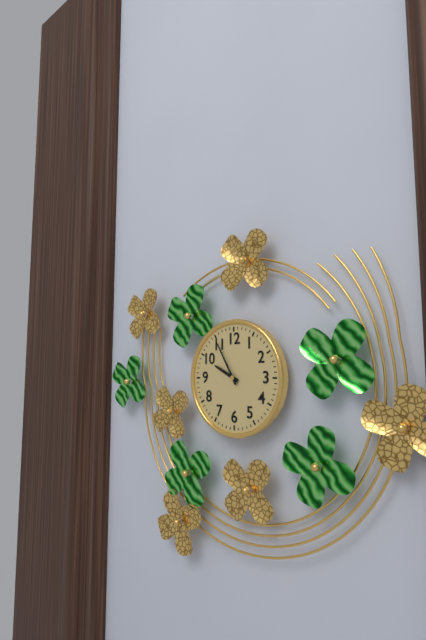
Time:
9.55
